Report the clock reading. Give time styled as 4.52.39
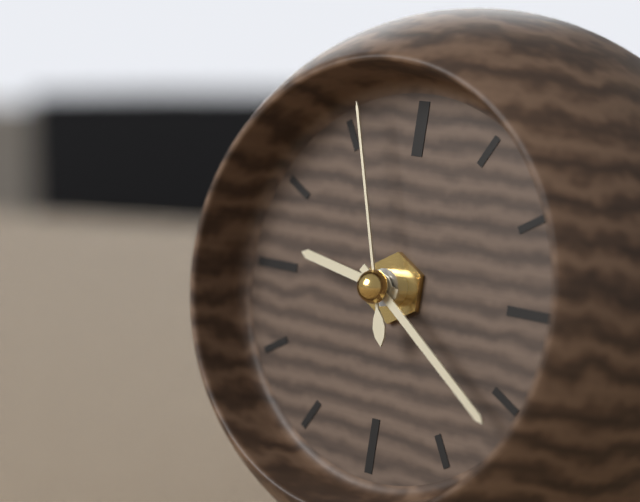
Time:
9.21.57
